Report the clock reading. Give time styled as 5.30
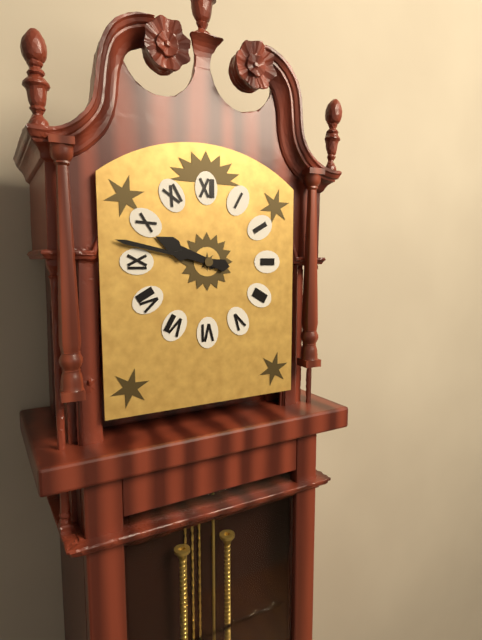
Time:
9.47
